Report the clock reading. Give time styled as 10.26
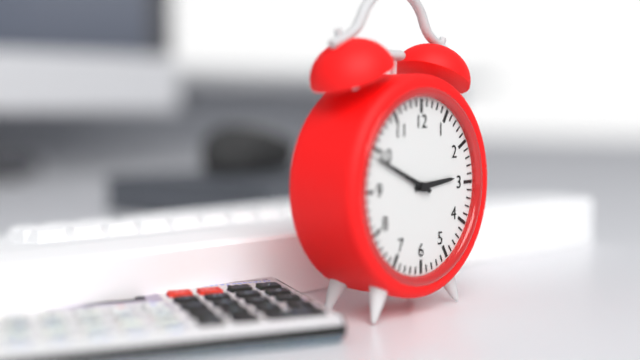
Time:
2.49
